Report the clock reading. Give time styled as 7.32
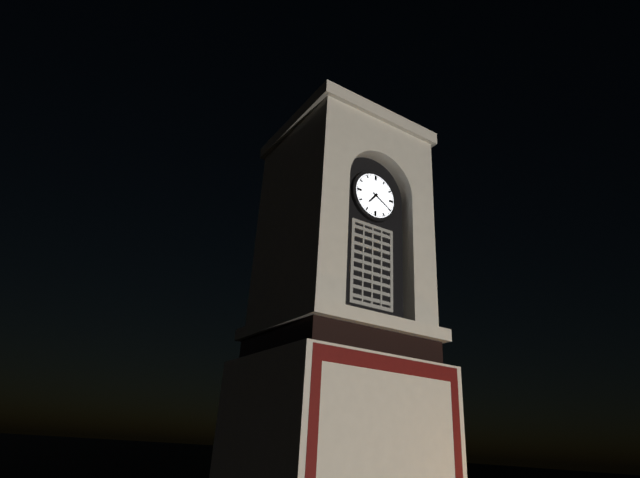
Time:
7.20
